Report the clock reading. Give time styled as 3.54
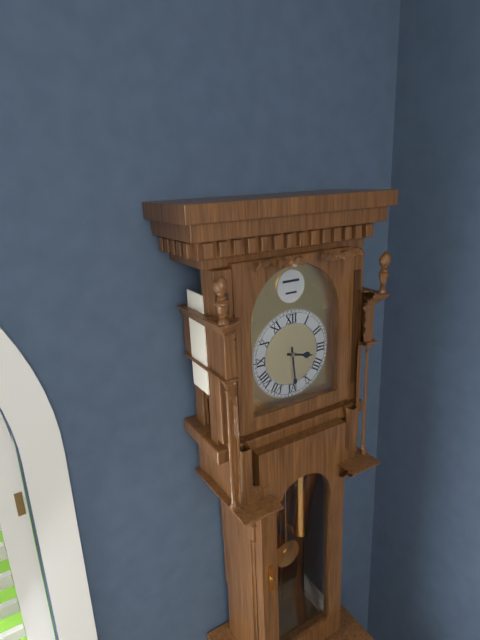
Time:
3.29
